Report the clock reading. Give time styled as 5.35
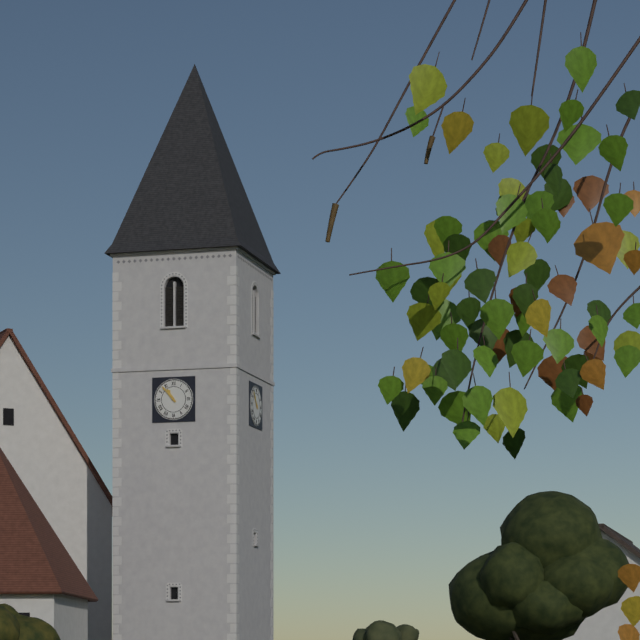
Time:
10.53
